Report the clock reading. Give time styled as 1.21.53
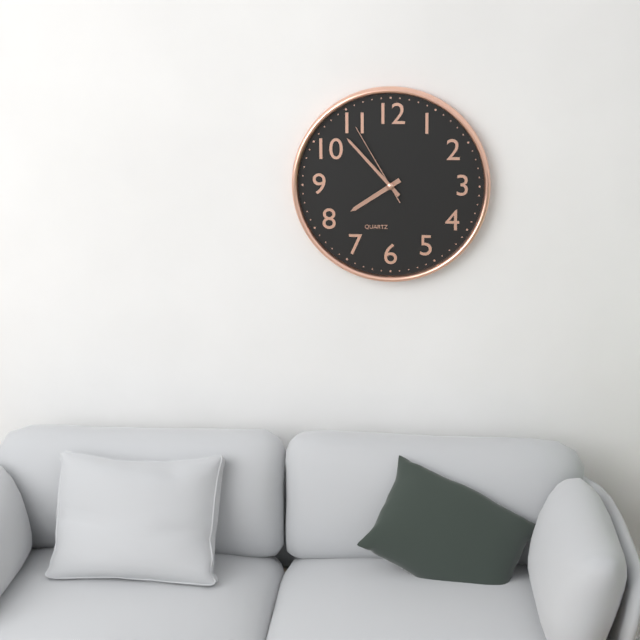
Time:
7.53.55
